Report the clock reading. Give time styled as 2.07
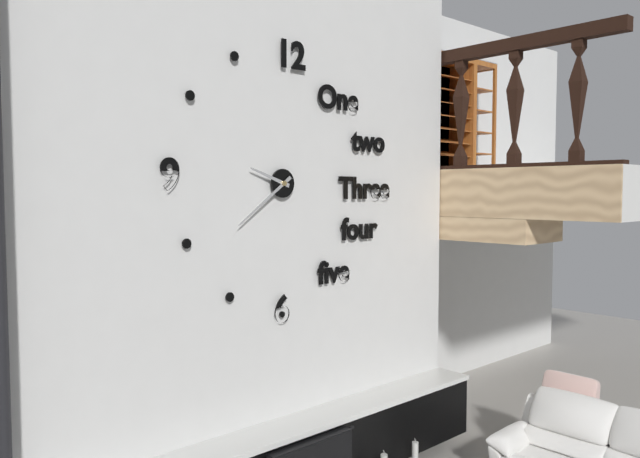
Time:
9.39
